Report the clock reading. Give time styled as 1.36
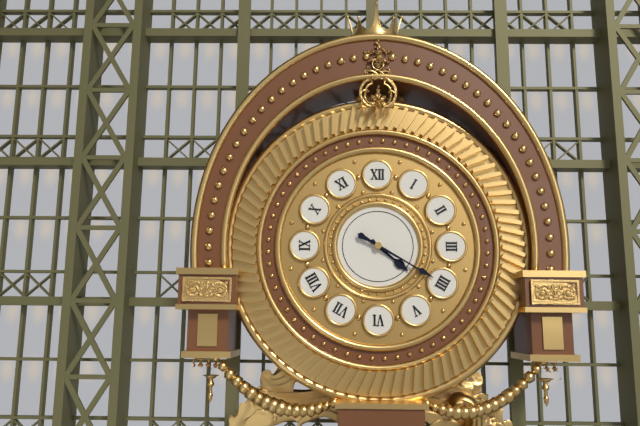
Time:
4.20
